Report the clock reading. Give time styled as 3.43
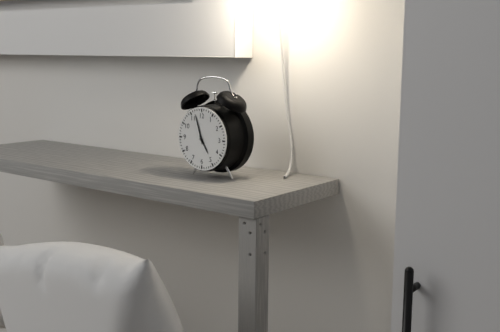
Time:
4.57
